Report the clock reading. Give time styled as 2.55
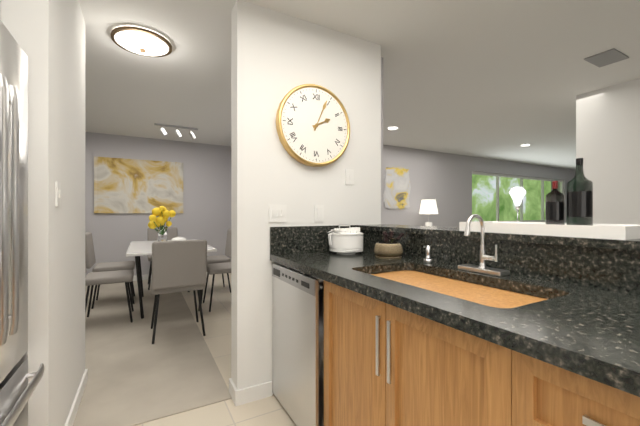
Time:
2.04
